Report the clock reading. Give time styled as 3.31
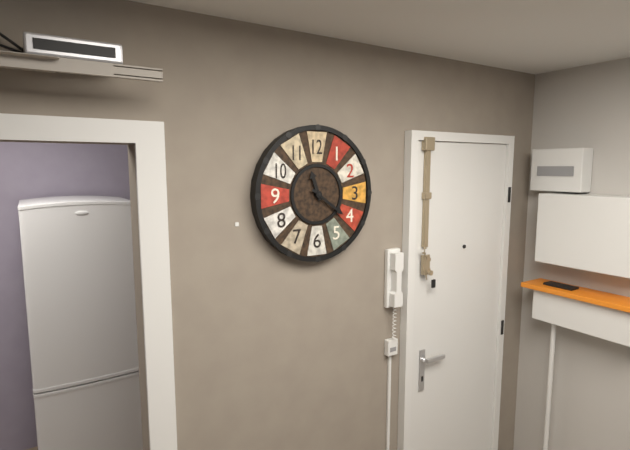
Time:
11.21
